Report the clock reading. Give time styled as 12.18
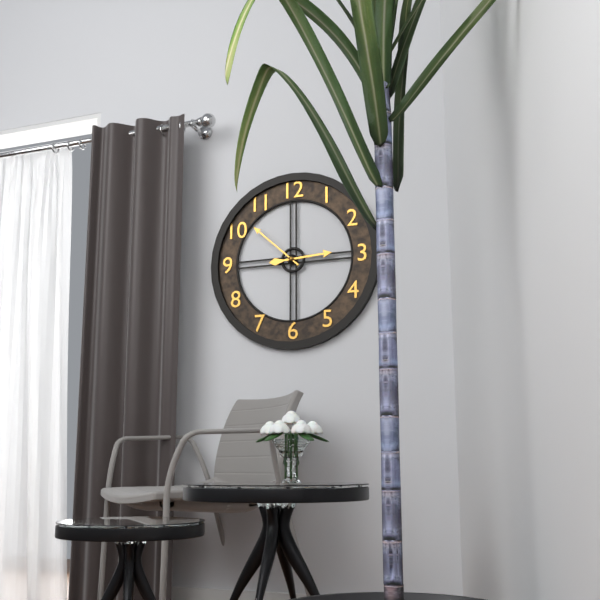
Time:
2.52
